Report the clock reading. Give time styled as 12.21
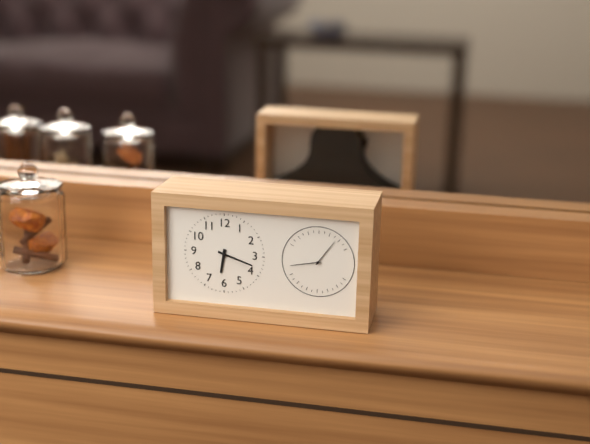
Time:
6.18
